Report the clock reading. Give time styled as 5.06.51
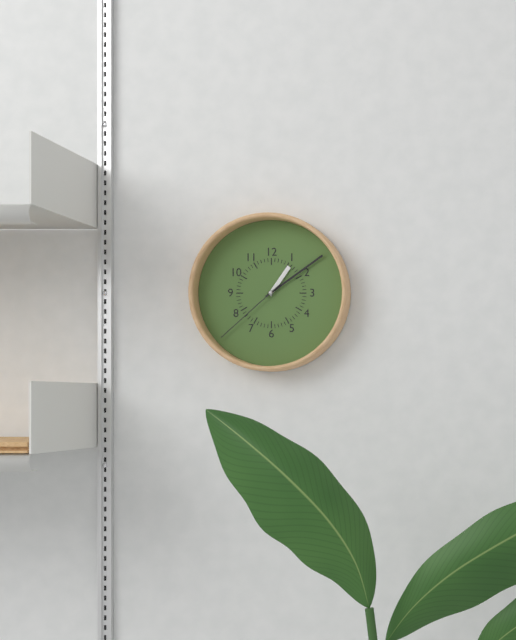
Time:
1.09.38
